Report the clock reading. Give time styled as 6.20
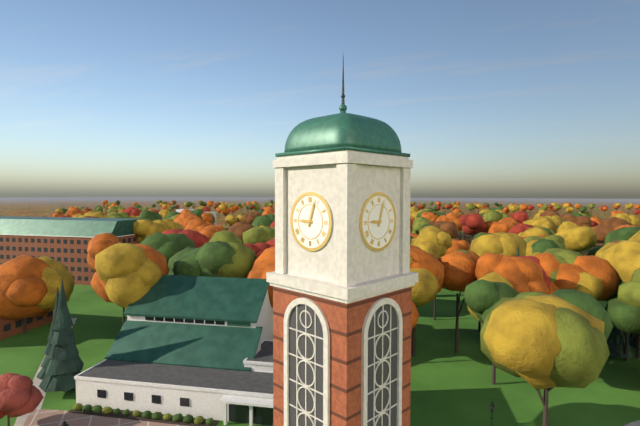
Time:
9.03
